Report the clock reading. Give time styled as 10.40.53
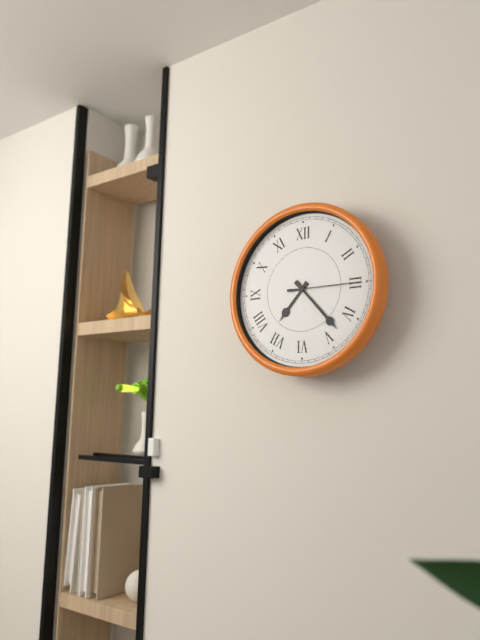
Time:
7.23.15
